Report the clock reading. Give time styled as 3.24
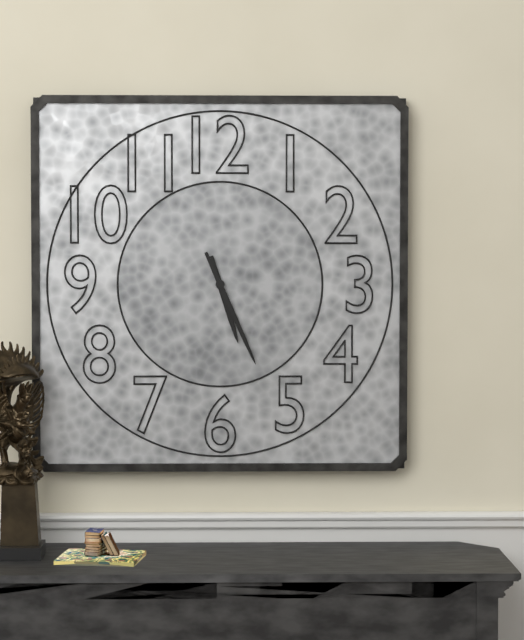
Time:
5.26
